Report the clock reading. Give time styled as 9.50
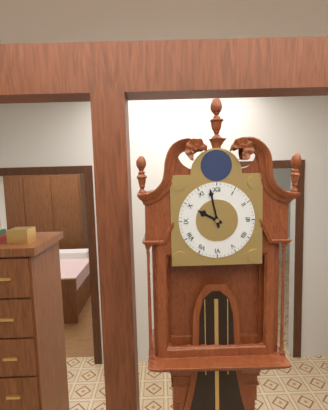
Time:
9.58
